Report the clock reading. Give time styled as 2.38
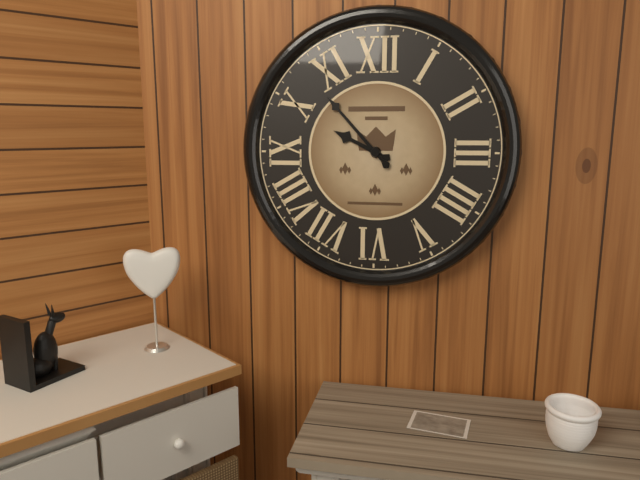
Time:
9.53
